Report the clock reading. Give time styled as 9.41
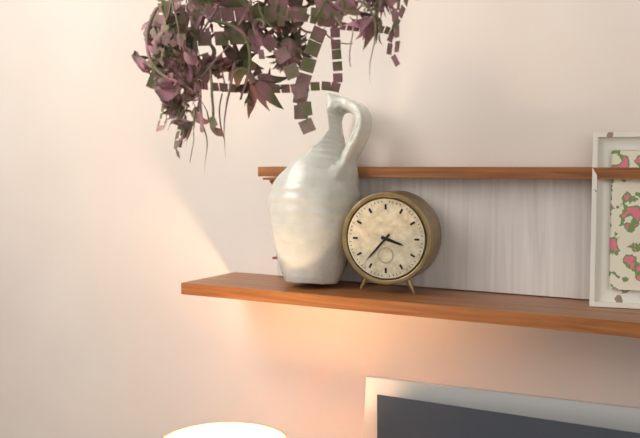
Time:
3.37
